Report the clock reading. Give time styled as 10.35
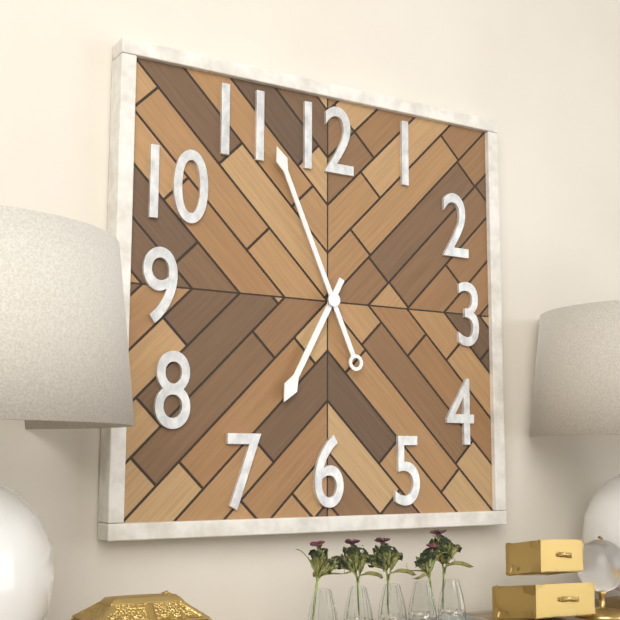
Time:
6.56
